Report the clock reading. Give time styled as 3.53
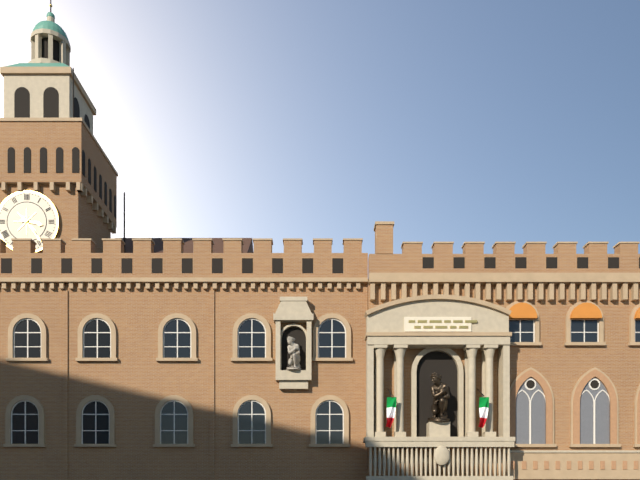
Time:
3.24
